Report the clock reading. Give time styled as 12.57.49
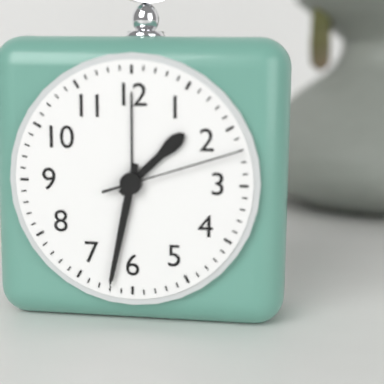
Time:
1.32.12
